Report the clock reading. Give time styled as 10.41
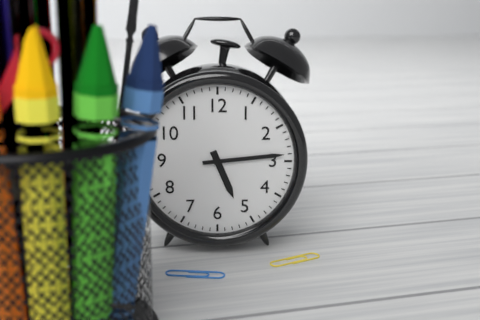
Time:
5.14
